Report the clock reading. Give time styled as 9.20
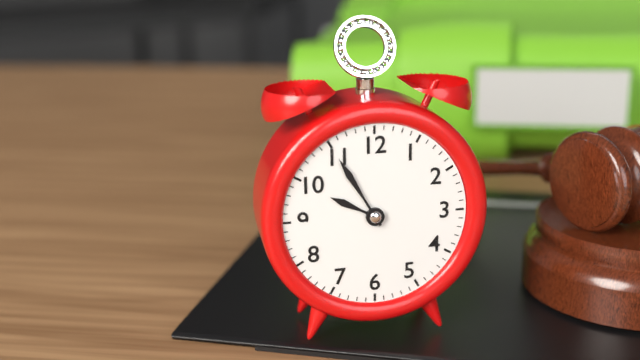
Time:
9.55
